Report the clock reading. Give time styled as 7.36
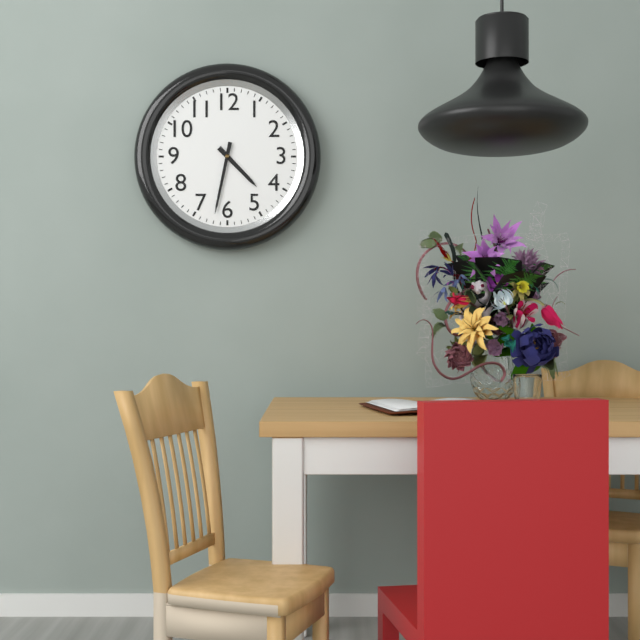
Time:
4.32
